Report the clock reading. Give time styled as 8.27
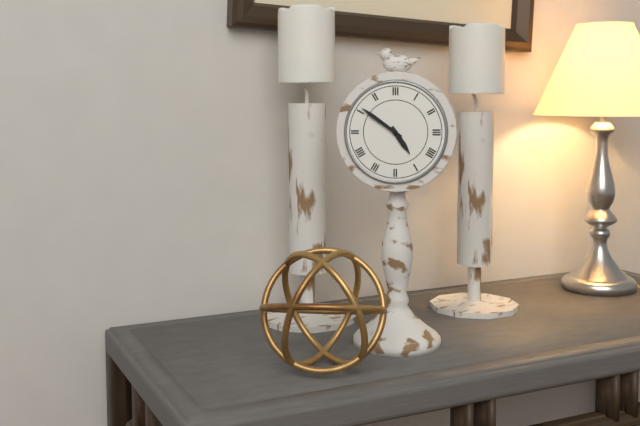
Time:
4.51
